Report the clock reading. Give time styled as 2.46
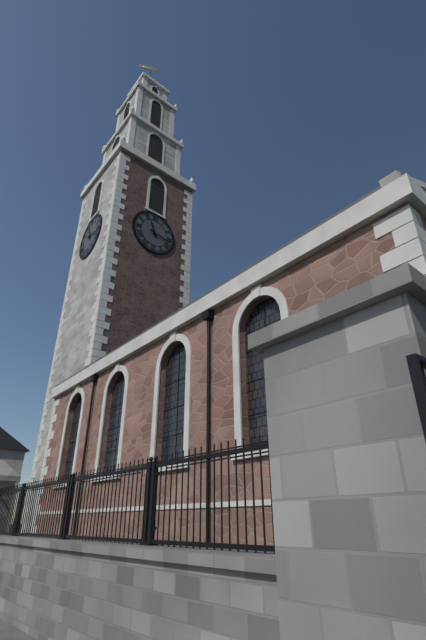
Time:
11.17
